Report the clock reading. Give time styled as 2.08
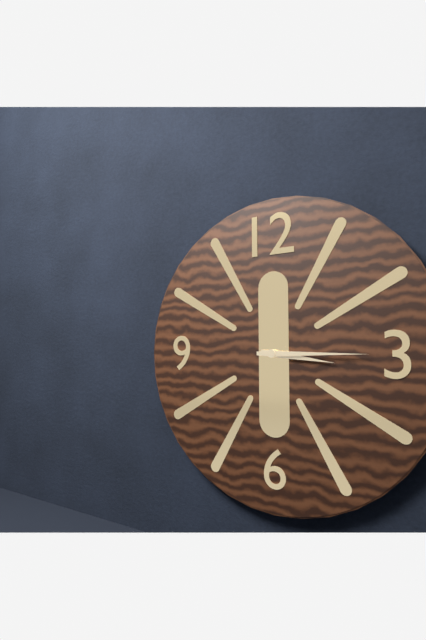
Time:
3.15
